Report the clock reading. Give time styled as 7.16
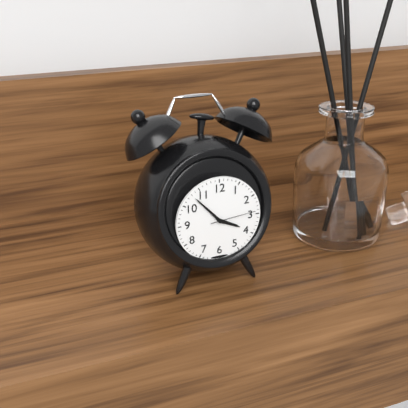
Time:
3.53
